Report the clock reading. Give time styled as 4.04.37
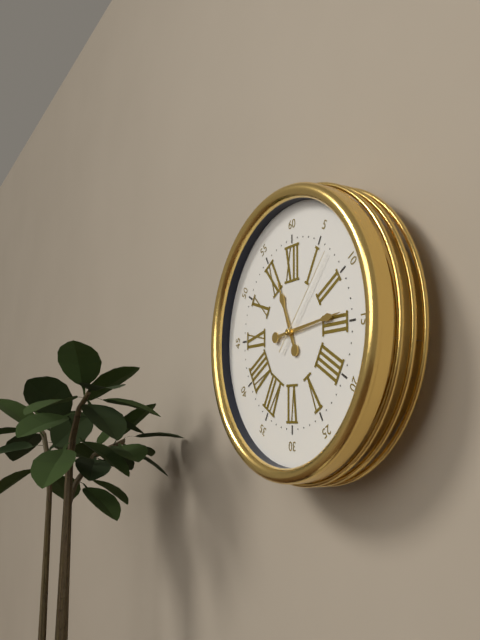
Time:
11.14.07
